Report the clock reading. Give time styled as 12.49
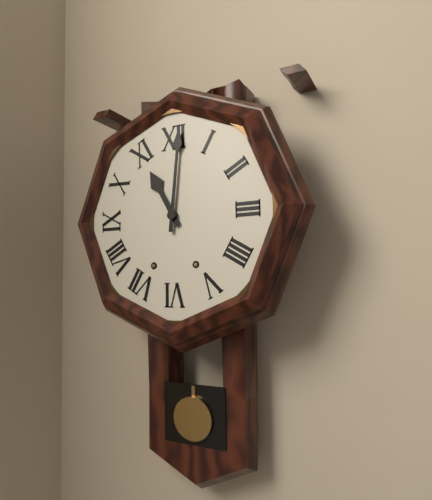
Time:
11.01
